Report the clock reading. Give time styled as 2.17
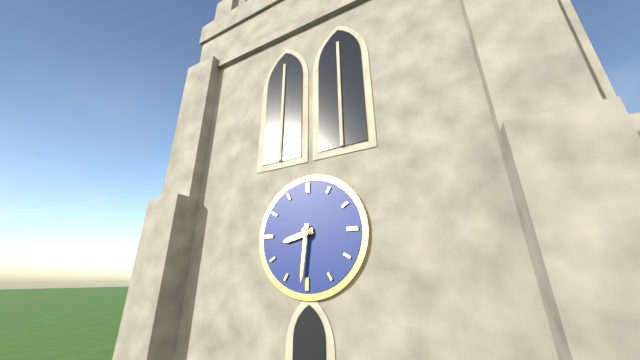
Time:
8.31
